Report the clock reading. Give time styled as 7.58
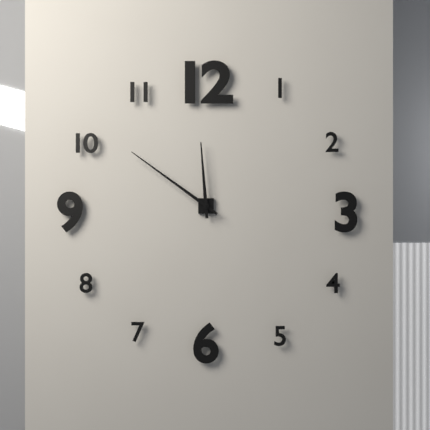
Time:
11.51
